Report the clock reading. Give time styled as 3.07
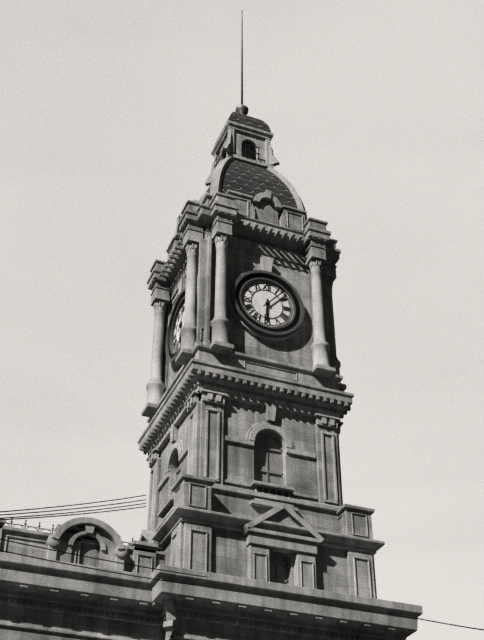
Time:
6.07
